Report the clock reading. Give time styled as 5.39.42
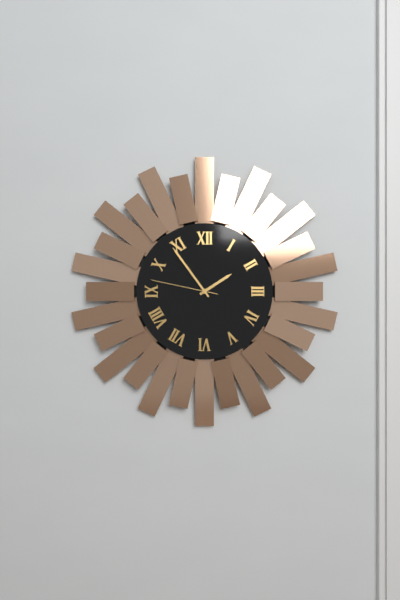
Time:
1.54.47
